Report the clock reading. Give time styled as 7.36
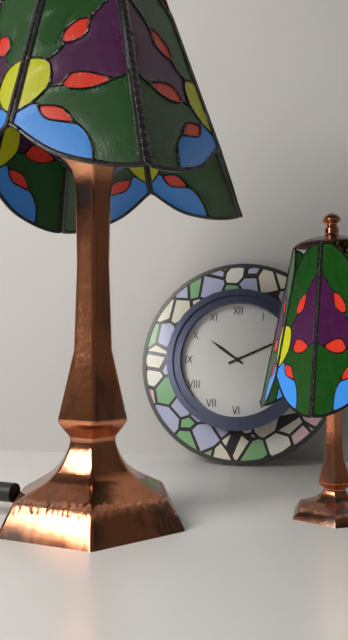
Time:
10.11
